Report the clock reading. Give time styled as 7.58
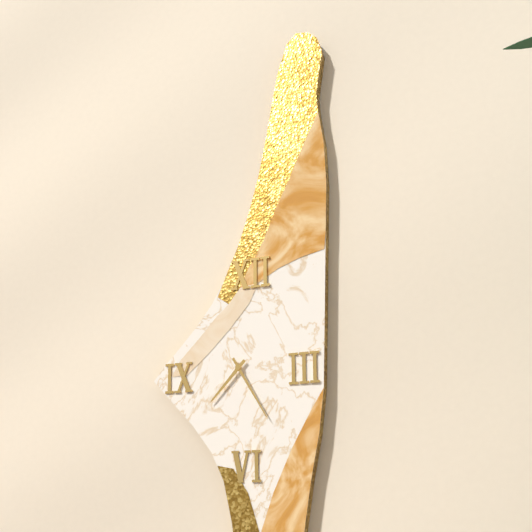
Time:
7.25
